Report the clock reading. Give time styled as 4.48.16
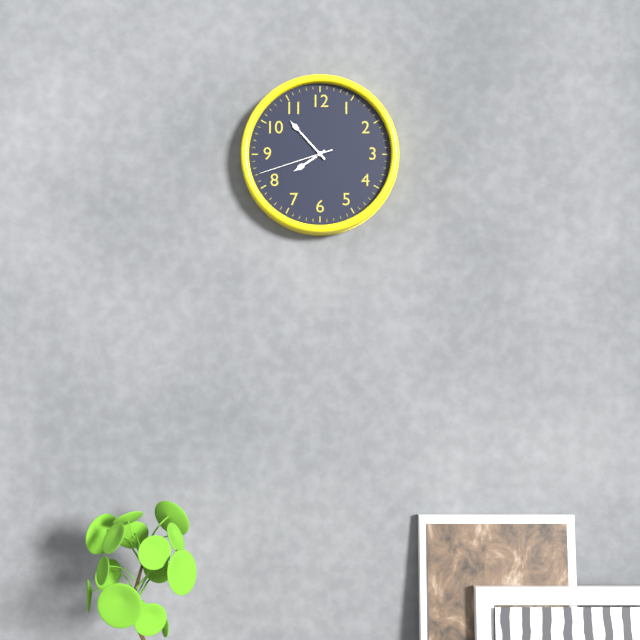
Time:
7.53.42
